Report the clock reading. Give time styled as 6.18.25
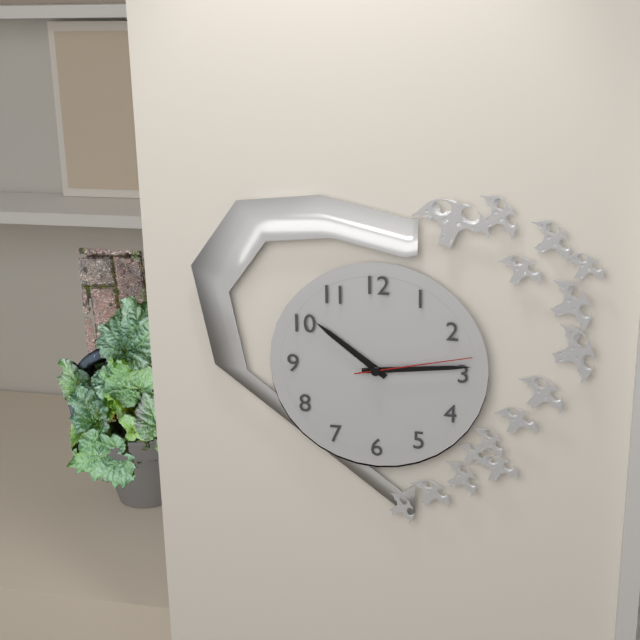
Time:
10.14.13
